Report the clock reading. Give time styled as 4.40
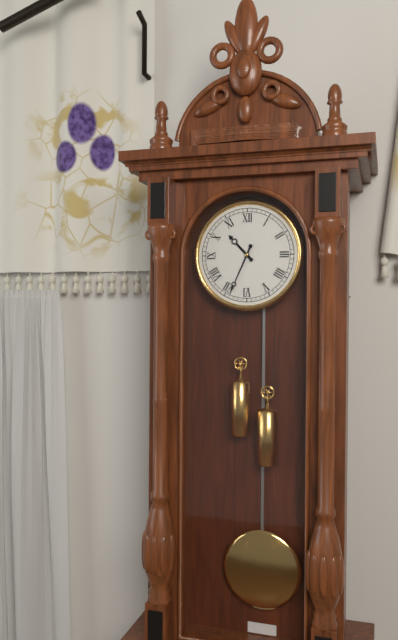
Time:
10.34
